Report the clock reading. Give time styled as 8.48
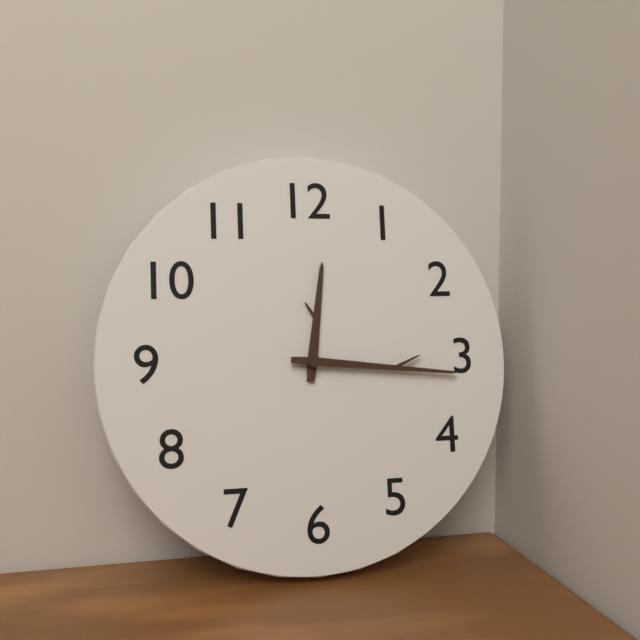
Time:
12.16
